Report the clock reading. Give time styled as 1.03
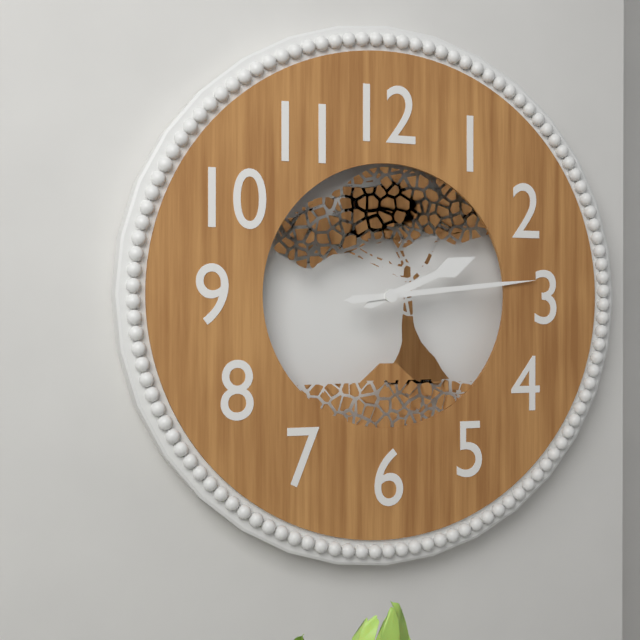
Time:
2.14
